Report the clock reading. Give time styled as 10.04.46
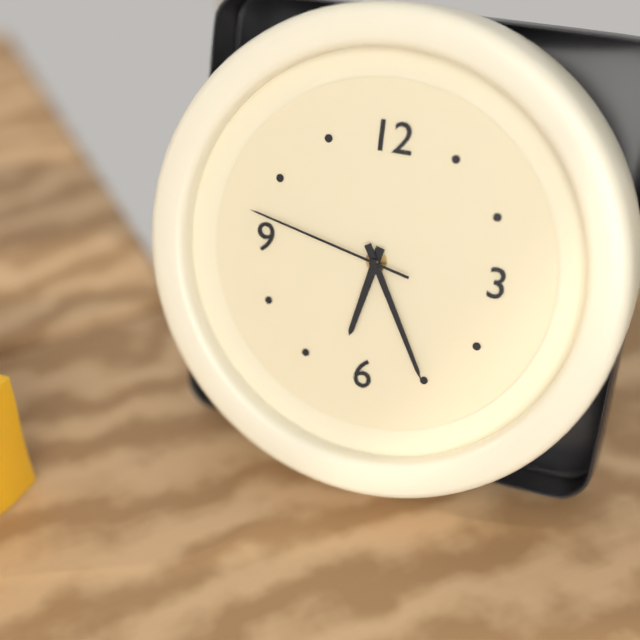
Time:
6.25.47
